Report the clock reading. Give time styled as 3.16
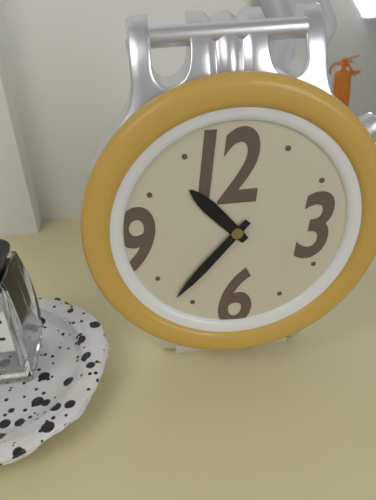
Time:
10.37
